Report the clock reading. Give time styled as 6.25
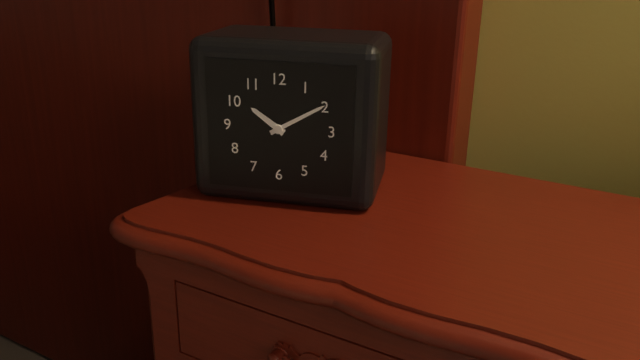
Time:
10.10
